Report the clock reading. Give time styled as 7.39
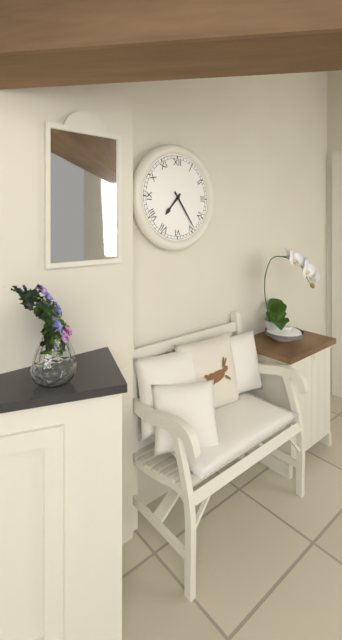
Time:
7.24
